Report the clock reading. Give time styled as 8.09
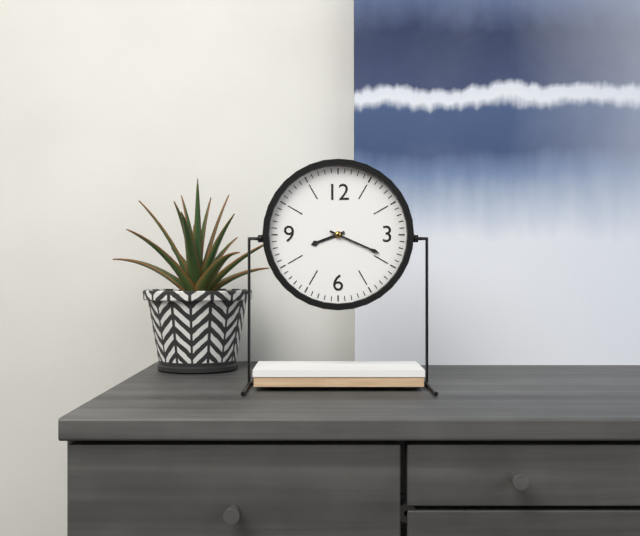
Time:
8.19
